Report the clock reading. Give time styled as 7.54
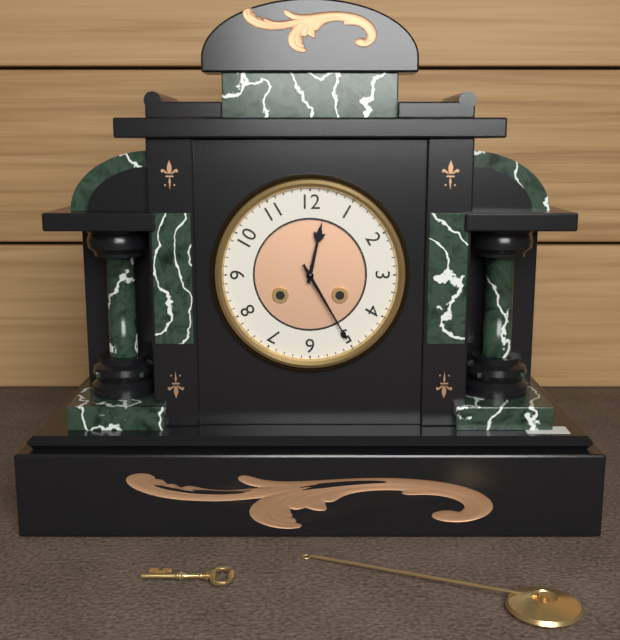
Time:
12.25
